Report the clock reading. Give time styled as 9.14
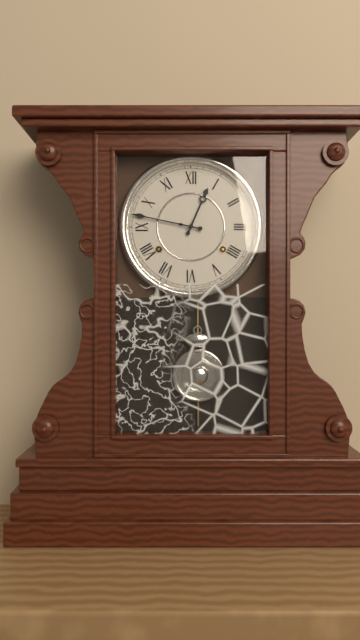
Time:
12.47
